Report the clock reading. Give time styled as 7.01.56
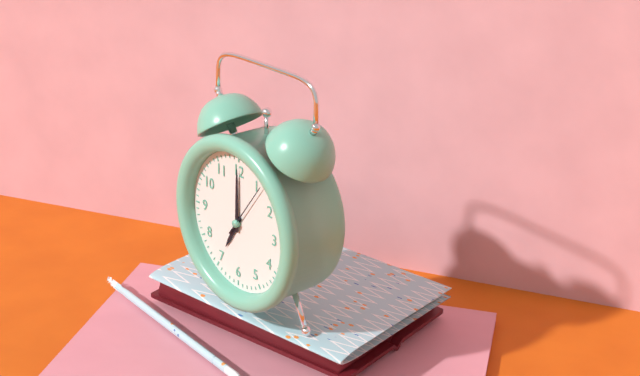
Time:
7.00.06
